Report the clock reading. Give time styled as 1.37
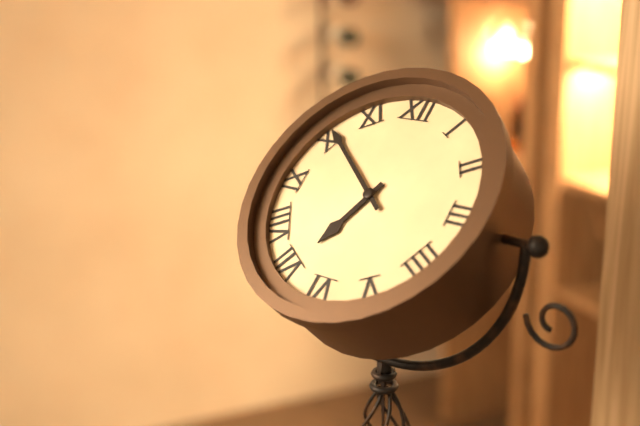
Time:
6.51
